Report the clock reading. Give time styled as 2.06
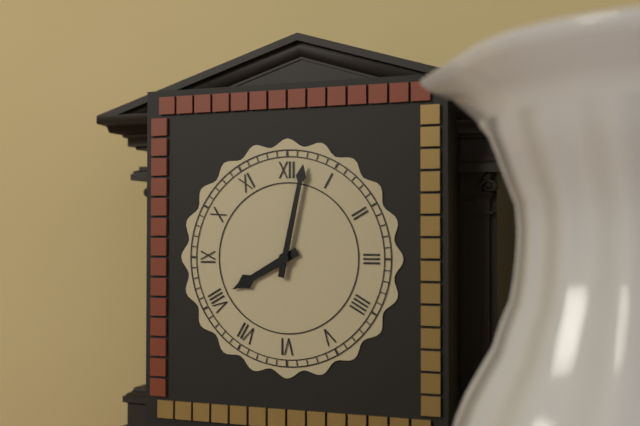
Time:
8.02
